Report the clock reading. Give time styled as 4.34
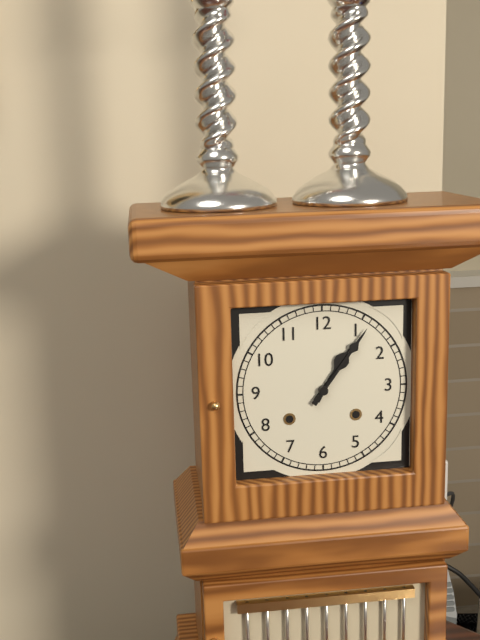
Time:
1.06
